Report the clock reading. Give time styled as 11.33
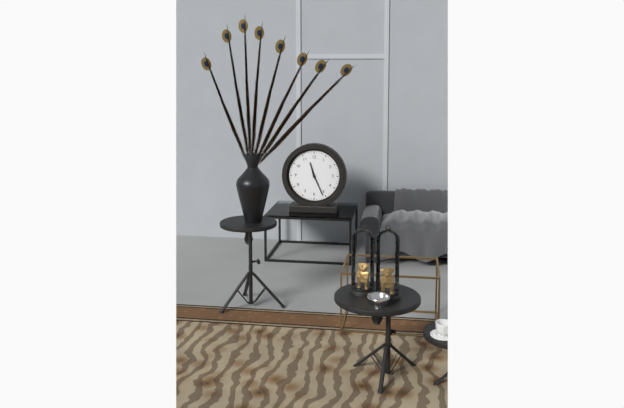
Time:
11.26
